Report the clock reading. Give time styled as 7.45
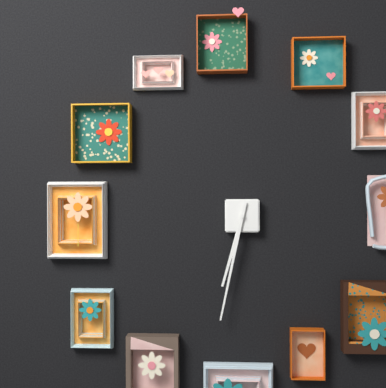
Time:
6.32
